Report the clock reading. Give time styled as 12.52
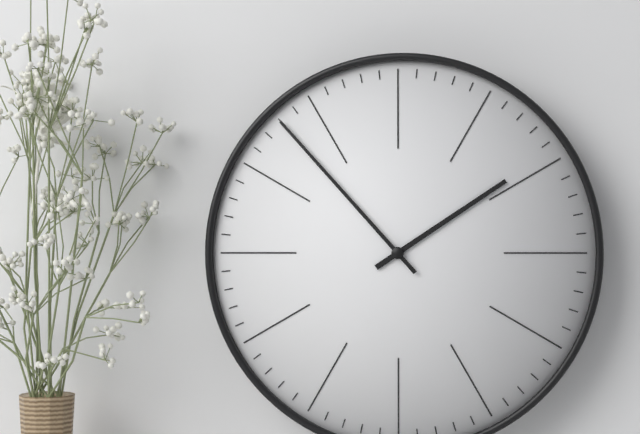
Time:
1.53
